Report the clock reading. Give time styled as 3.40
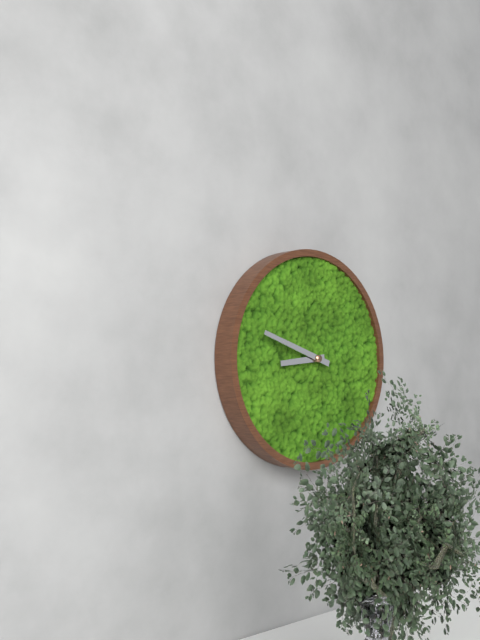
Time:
8.48
